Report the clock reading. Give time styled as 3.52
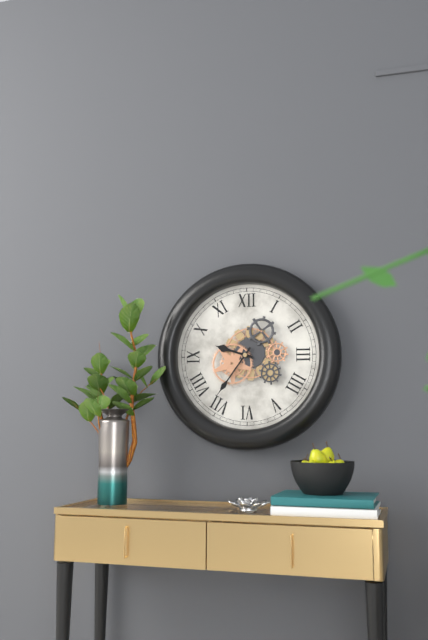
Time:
9.36
